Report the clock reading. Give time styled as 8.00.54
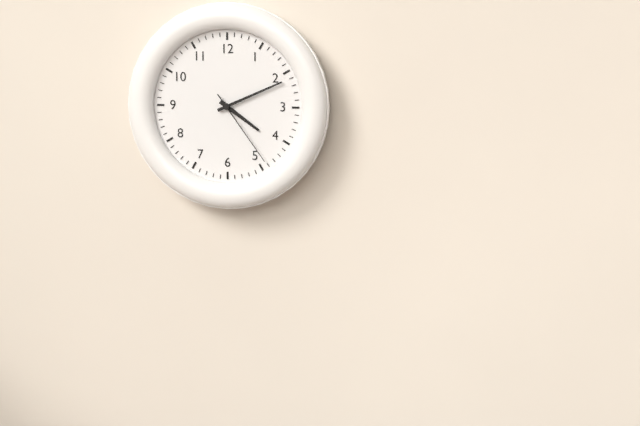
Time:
4.11.24
